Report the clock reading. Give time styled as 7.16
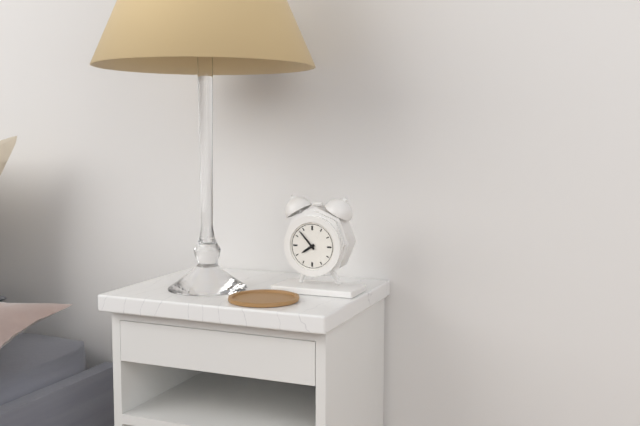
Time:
7.53
